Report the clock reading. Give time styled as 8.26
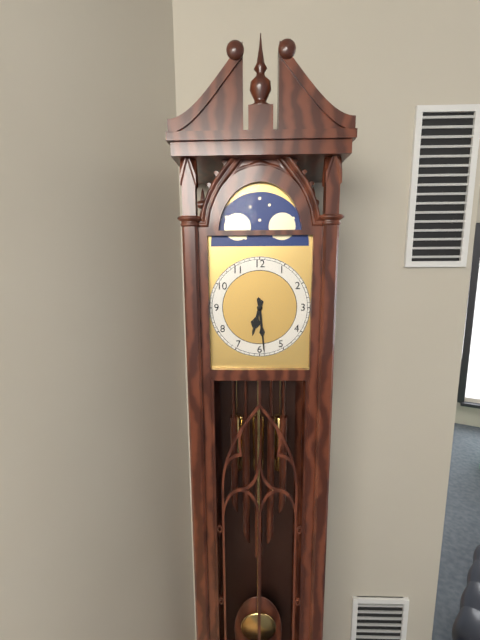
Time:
6.29
